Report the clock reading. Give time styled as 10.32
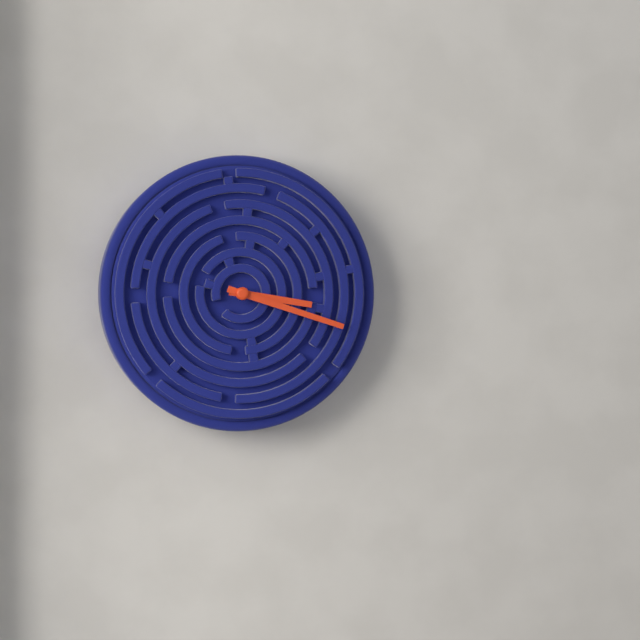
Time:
3.18
